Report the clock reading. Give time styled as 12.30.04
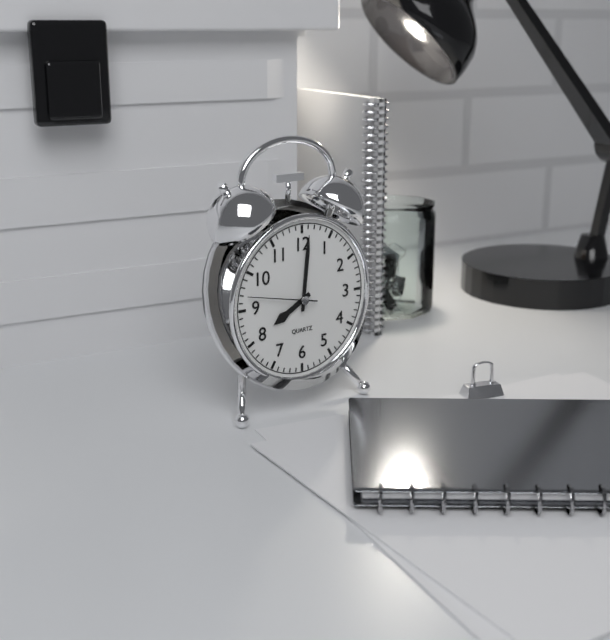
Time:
8.01.47
